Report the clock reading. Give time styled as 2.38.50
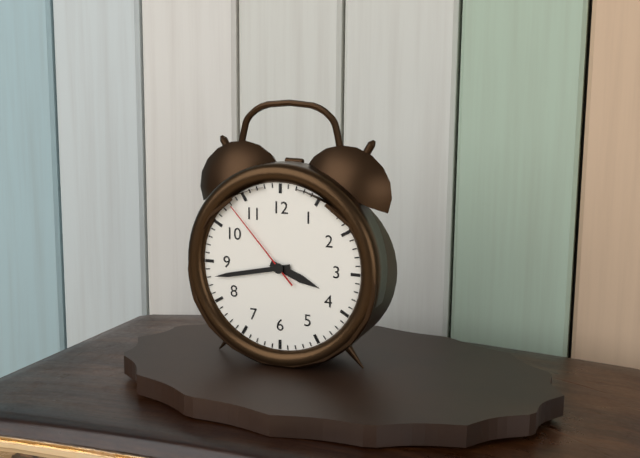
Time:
3.43.53
